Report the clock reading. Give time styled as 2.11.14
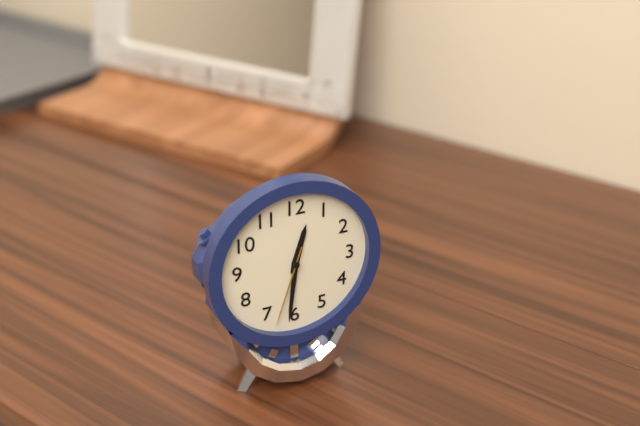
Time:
12.31.33
